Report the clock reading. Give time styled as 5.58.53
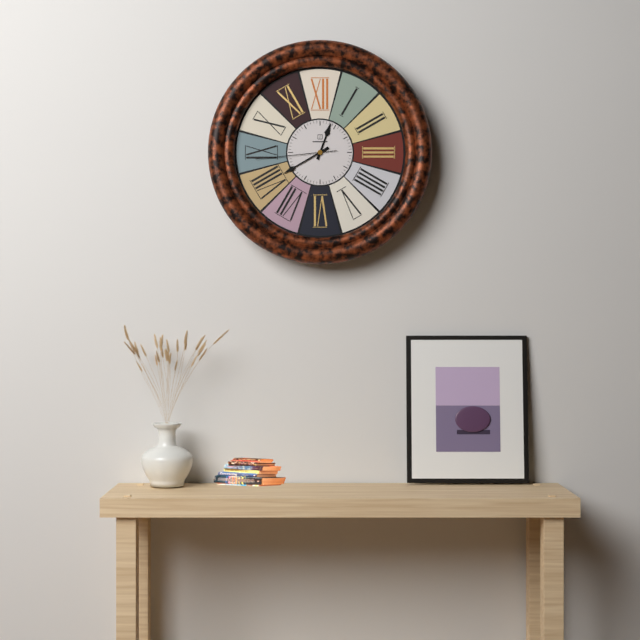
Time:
12.40.44
